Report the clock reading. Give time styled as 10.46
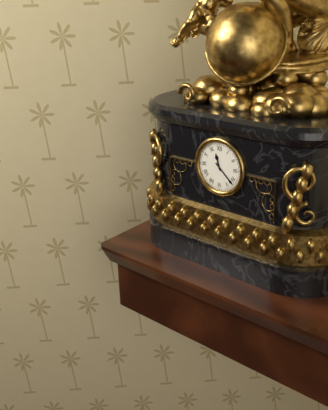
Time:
11.22
